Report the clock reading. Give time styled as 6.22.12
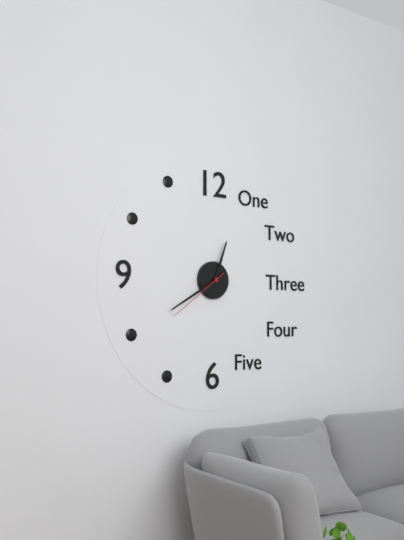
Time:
12.40.39
